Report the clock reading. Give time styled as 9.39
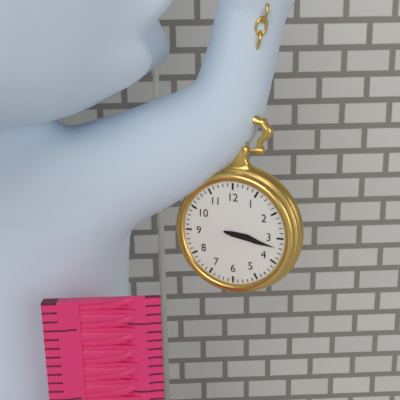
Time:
3.17
